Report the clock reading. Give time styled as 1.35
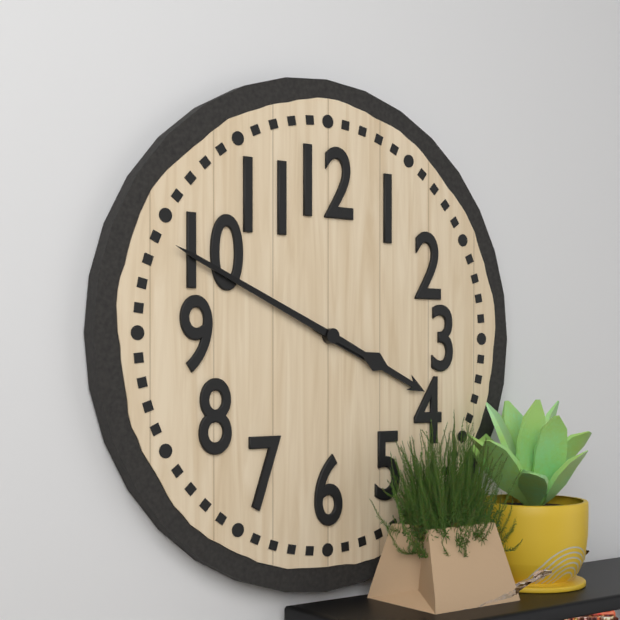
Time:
3.49
